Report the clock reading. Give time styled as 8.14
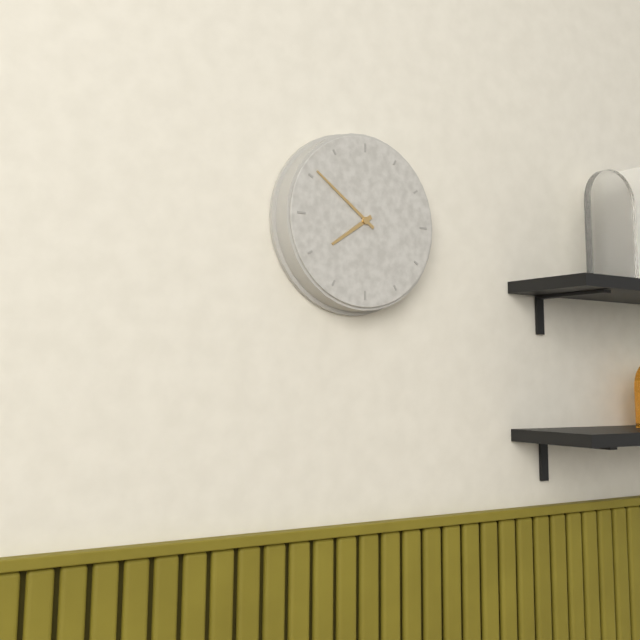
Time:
7.51
